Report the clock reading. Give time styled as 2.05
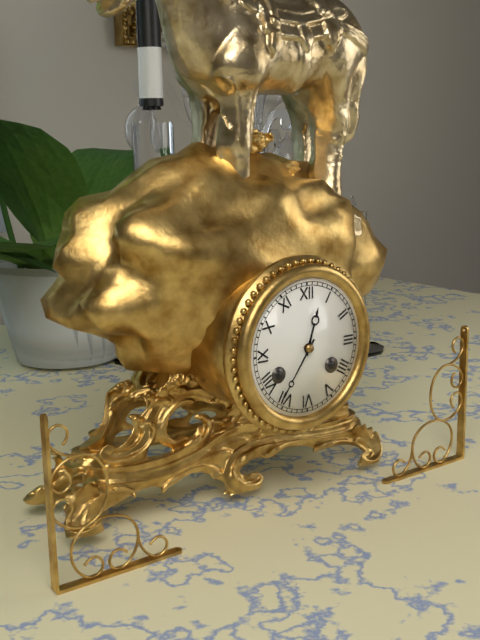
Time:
12.36
